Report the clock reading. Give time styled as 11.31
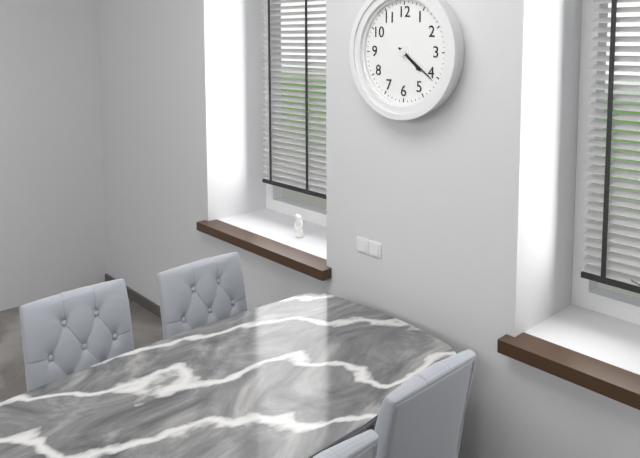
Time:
4.21
